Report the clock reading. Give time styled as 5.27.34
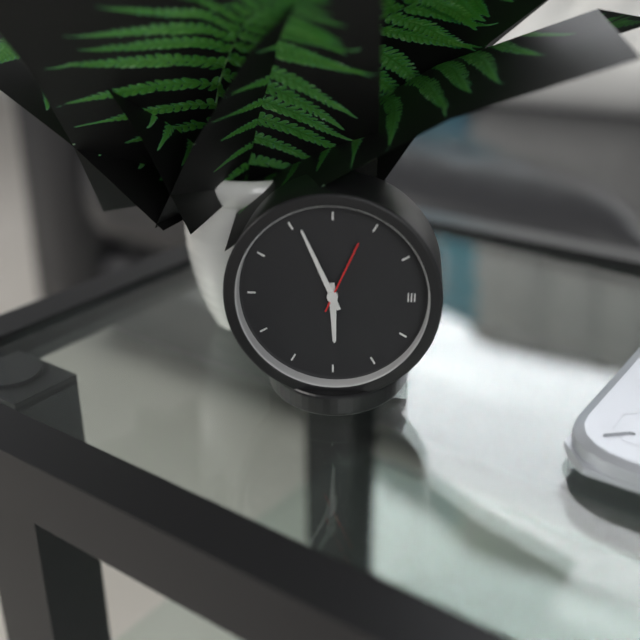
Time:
5.56.04
